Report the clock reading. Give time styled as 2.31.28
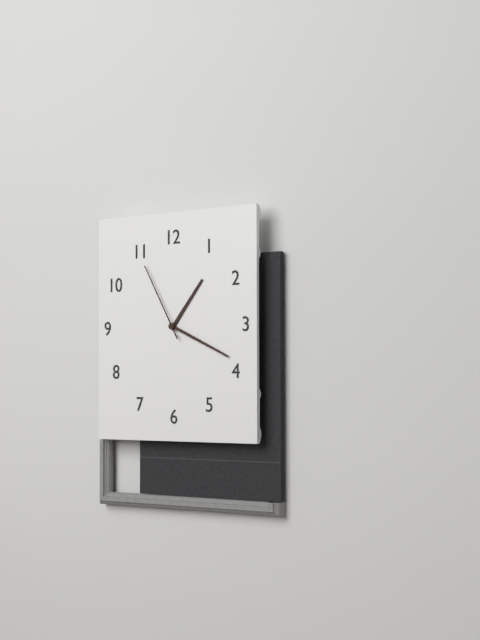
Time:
1.19.55
